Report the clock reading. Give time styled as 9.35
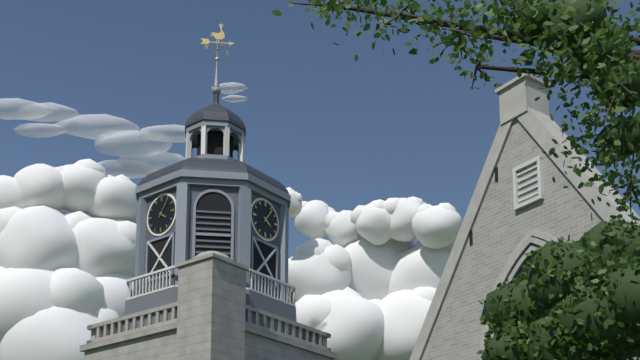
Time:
4.06
